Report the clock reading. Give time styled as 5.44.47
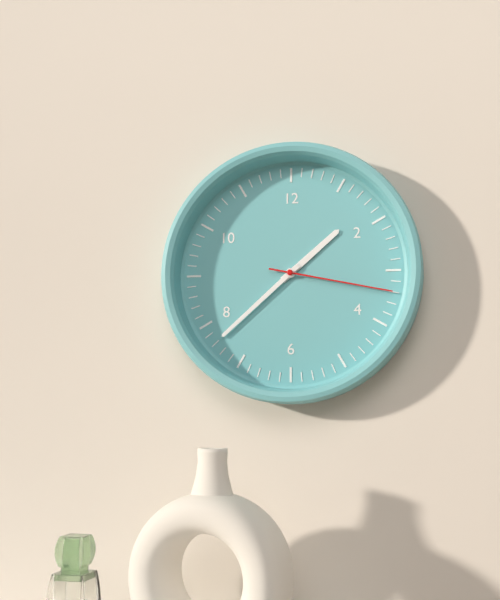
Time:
1.38.17
